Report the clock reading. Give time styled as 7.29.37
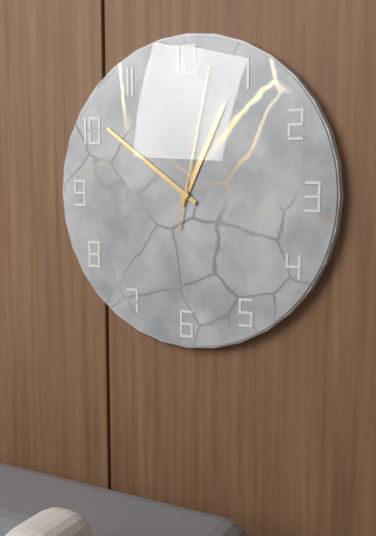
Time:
12.51.02
